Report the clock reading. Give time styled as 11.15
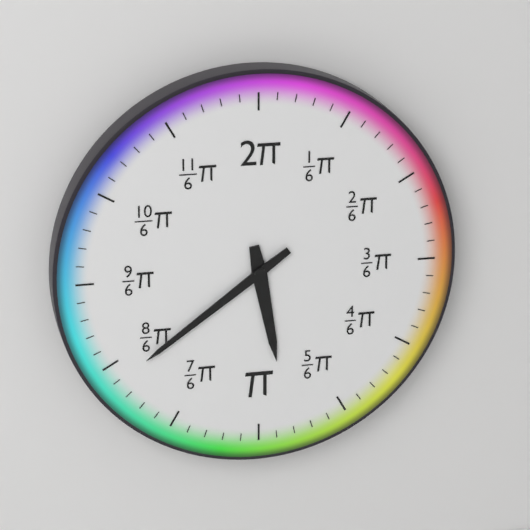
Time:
5.39
